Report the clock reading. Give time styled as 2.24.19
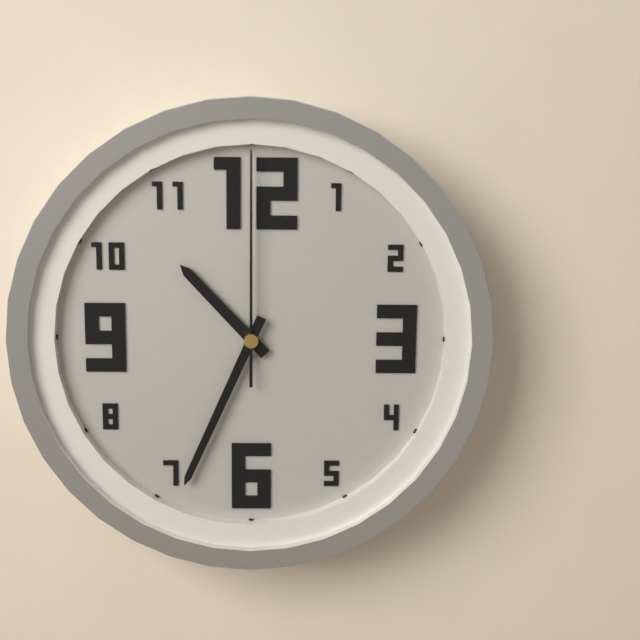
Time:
10.34.00
